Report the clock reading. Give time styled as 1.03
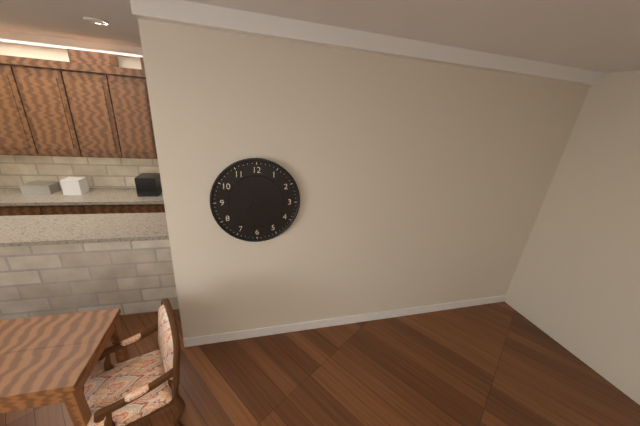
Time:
7.30
